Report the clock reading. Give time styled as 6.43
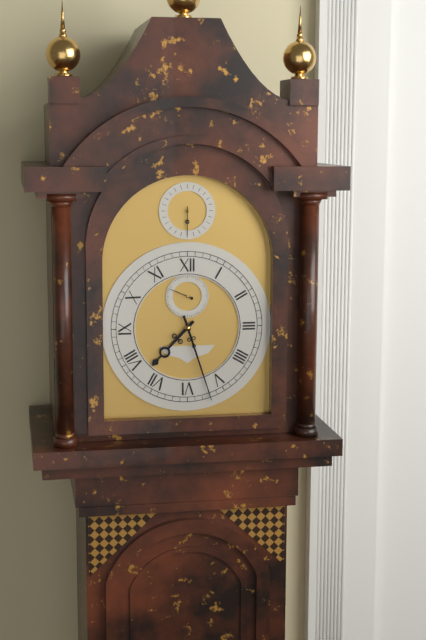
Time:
7.27
